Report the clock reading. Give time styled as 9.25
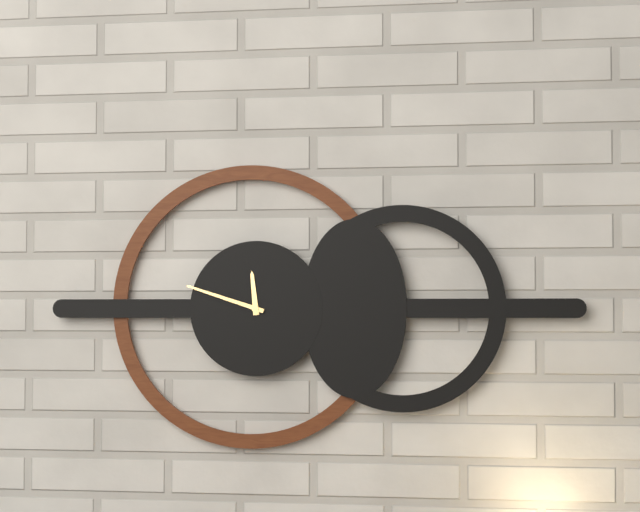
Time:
11.48
